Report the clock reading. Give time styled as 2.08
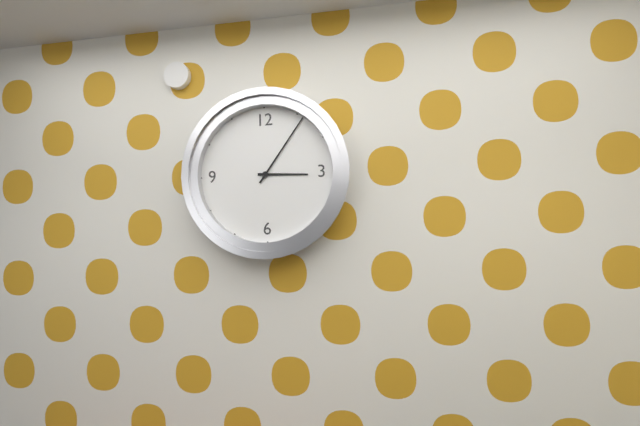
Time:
3.06
